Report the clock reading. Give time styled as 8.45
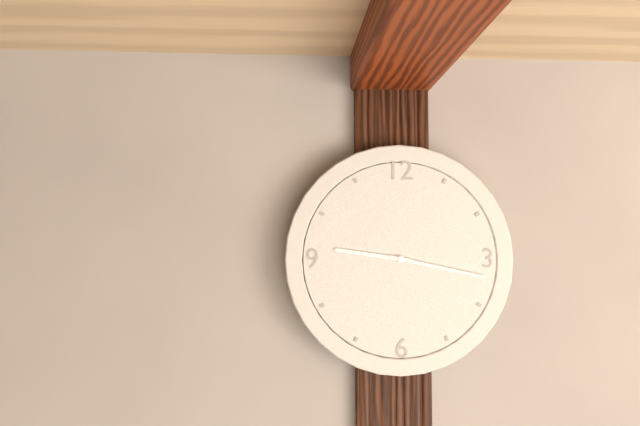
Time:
9.17
